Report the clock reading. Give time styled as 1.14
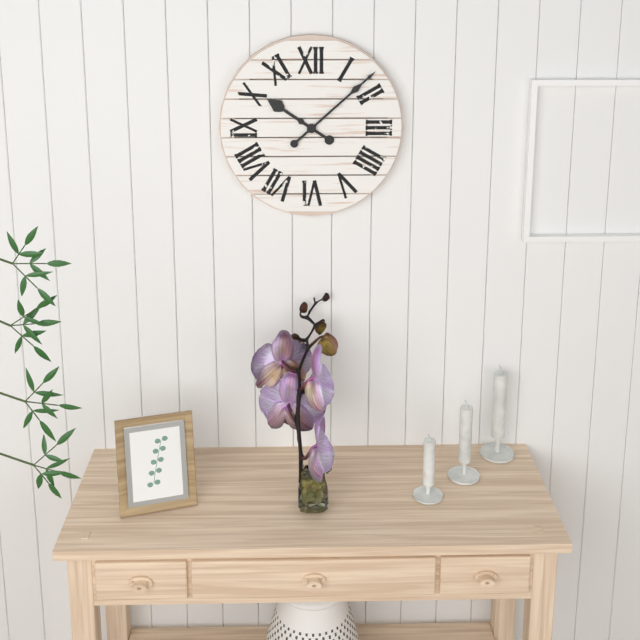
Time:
10.08
